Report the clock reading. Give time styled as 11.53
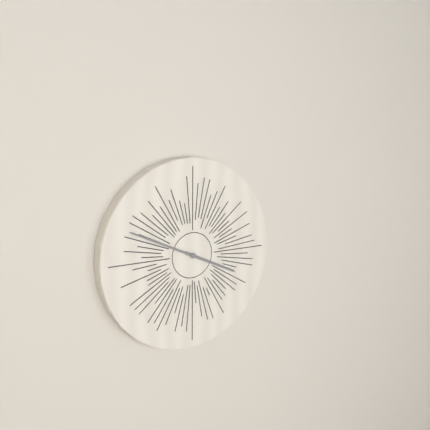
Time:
3.49
